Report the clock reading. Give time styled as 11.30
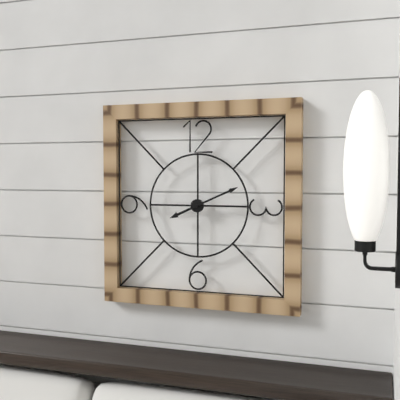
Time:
8.11
